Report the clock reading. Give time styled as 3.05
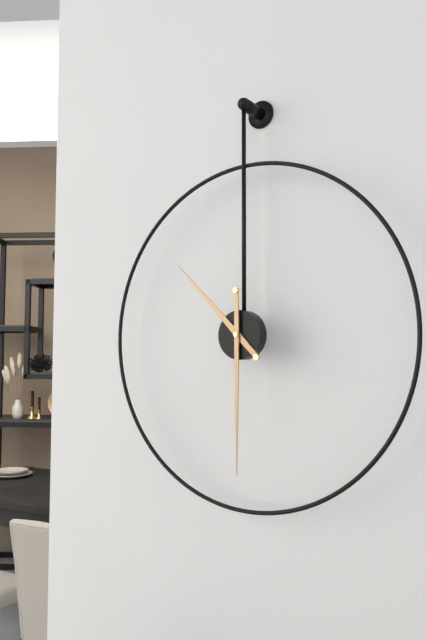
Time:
10.30
